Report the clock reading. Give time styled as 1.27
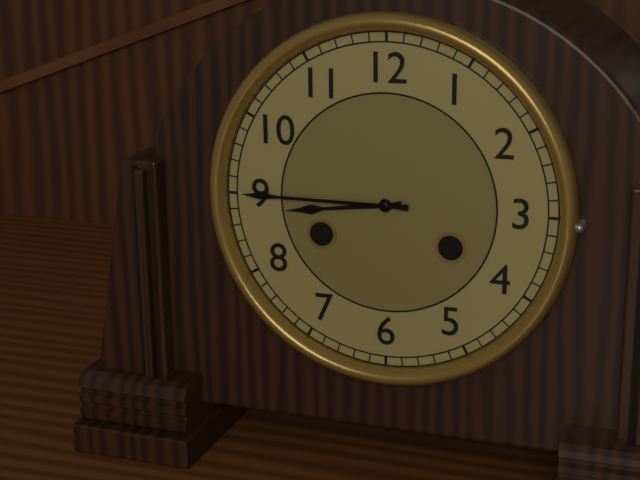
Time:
8.45
